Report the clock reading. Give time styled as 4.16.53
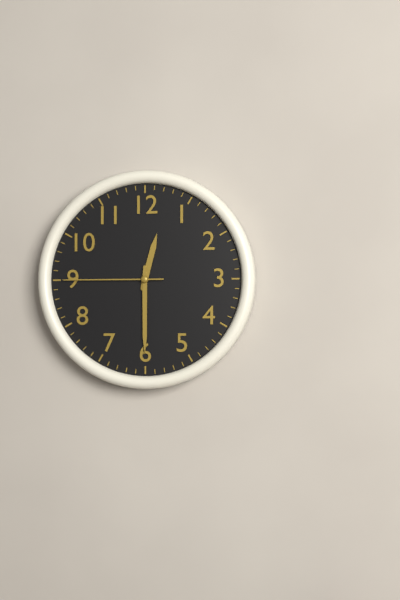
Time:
12.30.45
